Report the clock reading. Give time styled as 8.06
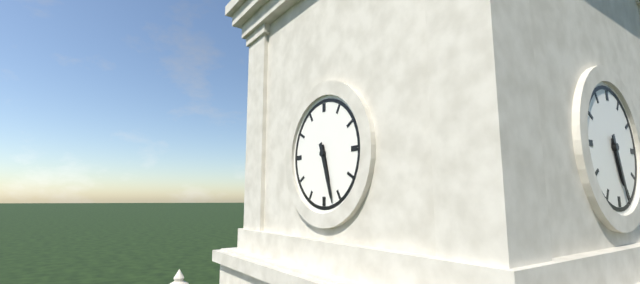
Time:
5.27
